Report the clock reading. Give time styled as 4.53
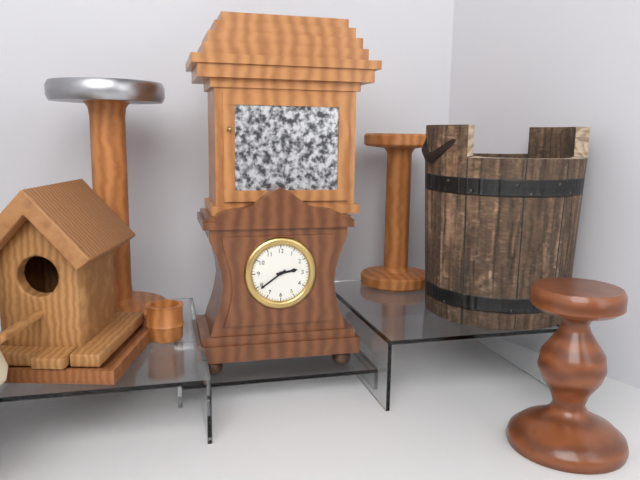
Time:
2.39
